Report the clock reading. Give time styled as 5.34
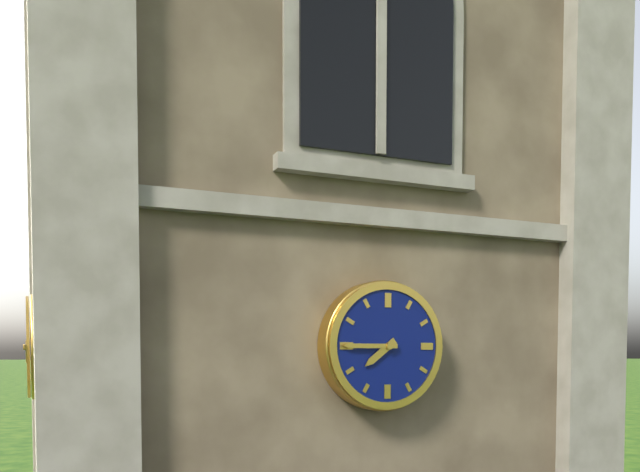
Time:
7.45
